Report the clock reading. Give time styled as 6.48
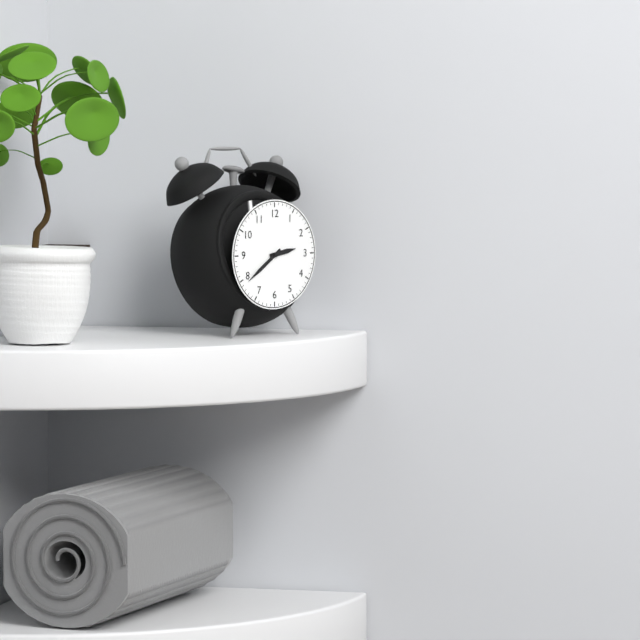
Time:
2.39
